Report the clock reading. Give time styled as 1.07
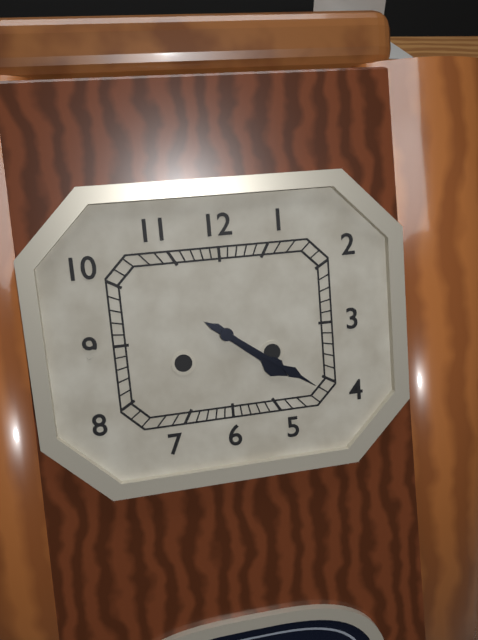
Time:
4.21
